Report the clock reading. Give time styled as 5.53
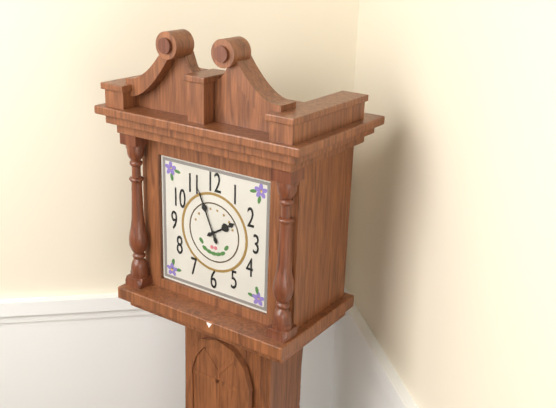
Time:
1.56
